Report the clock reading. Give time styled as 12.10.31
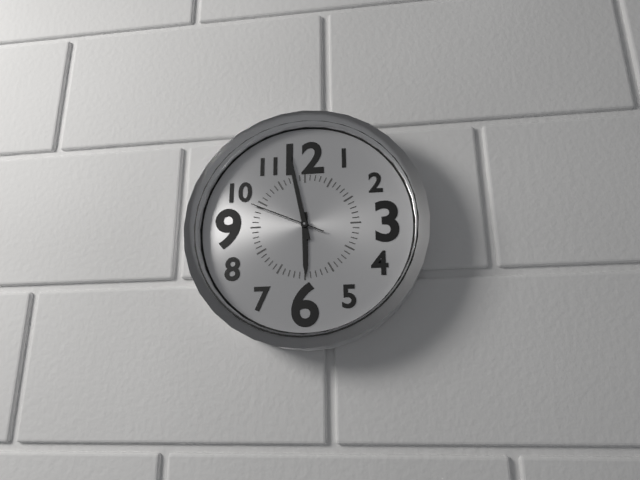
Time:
5.58.49
